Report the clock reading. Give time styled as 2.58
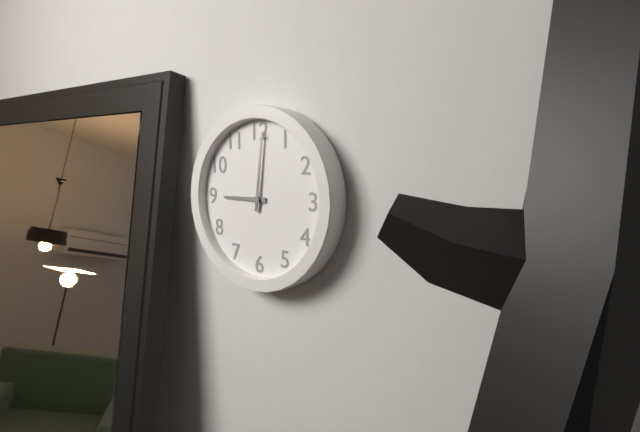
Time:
9.01
